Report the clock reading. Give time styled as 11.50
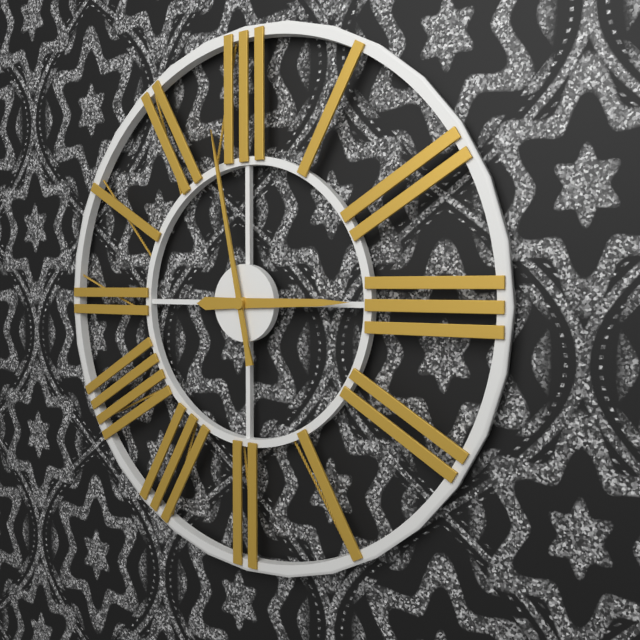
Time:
2.58
